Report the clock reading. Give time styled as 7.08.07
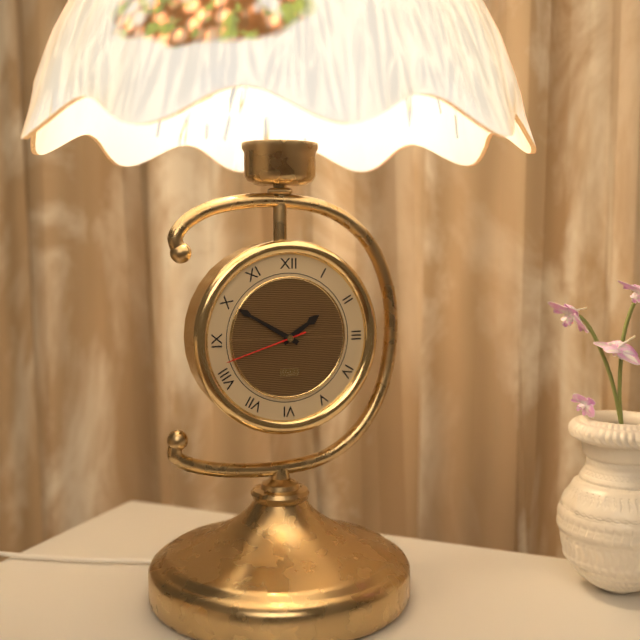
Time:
1.50.42
